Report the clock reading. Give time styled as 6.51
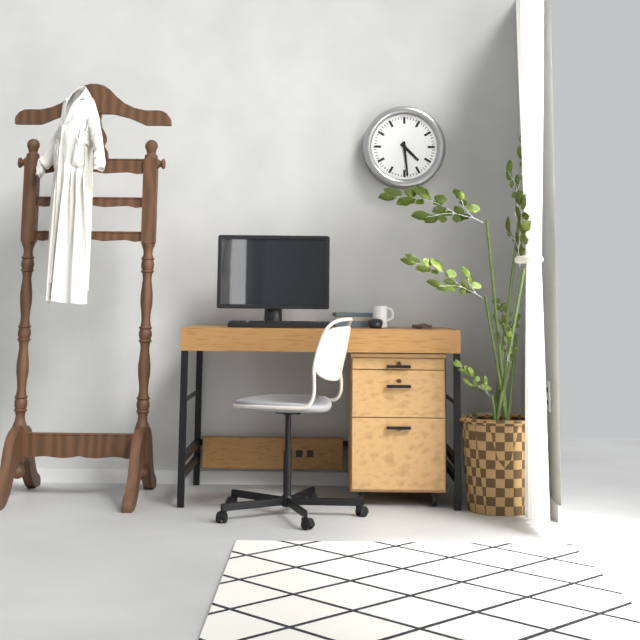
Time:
4.29
